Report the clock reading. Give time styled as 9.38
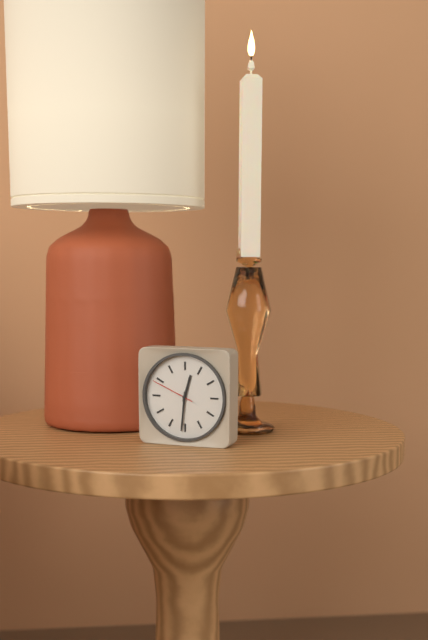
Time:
12.31
